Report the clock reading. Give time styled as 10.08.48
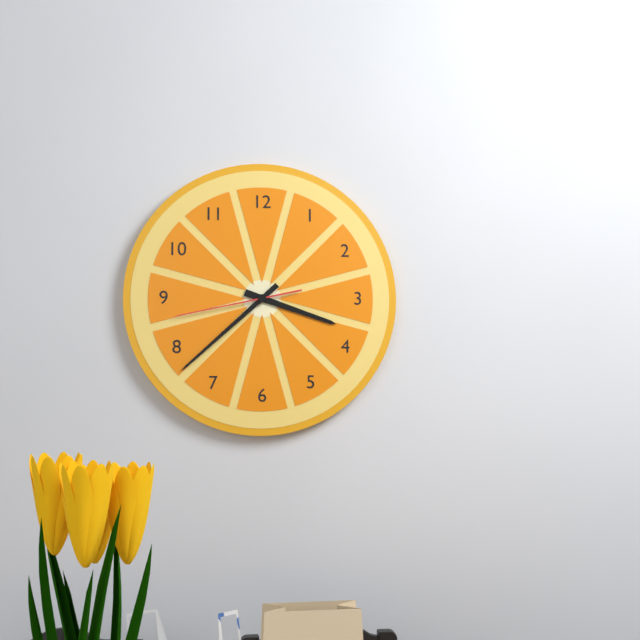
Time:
3.38.43
